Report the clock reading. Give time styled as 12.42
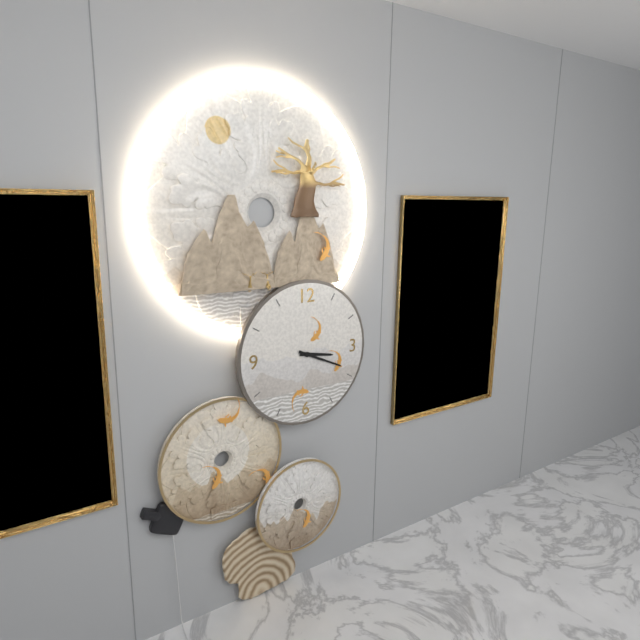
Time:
3.19
